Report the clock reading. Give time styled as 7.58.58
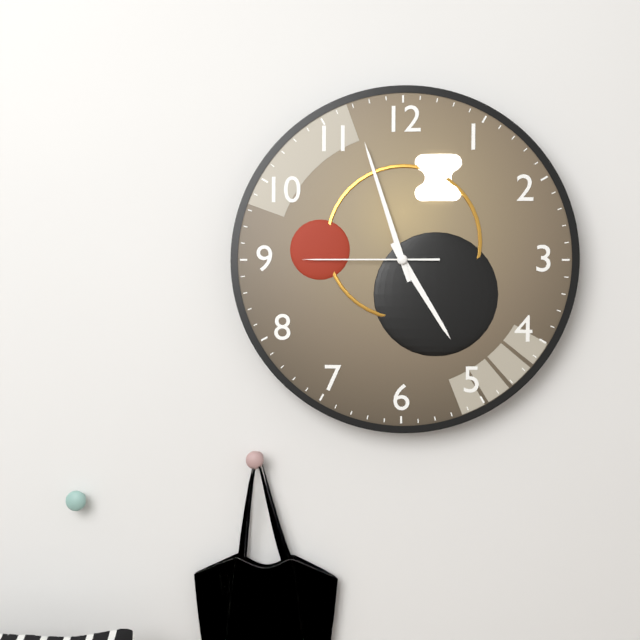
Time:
4.57.45
